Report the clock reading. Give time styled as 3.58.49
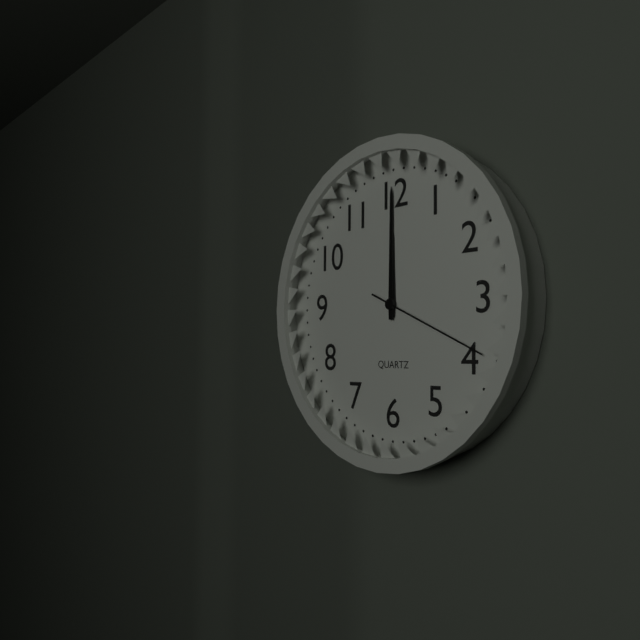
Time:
12.00.19
